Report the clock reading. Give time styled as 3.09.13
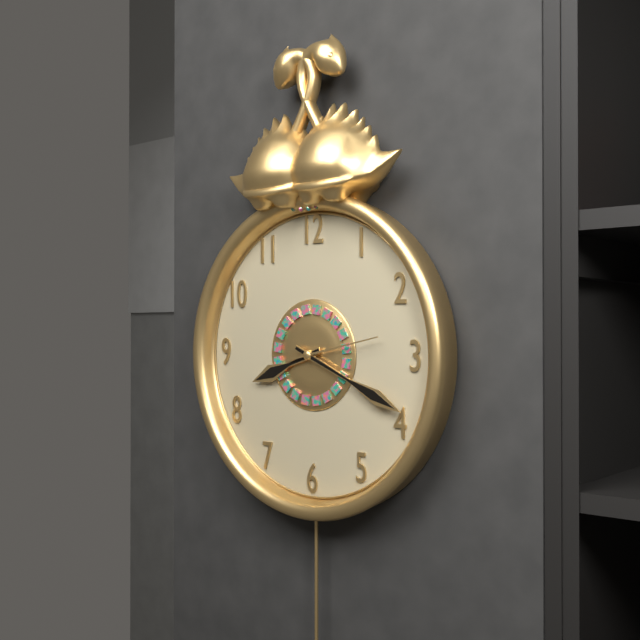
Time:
8.19.13
